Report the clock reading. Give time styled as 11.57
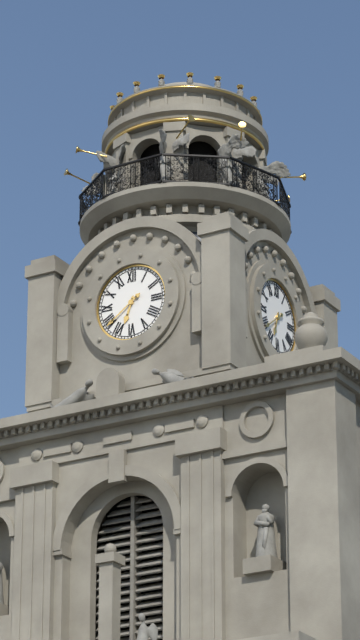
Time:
6.39
